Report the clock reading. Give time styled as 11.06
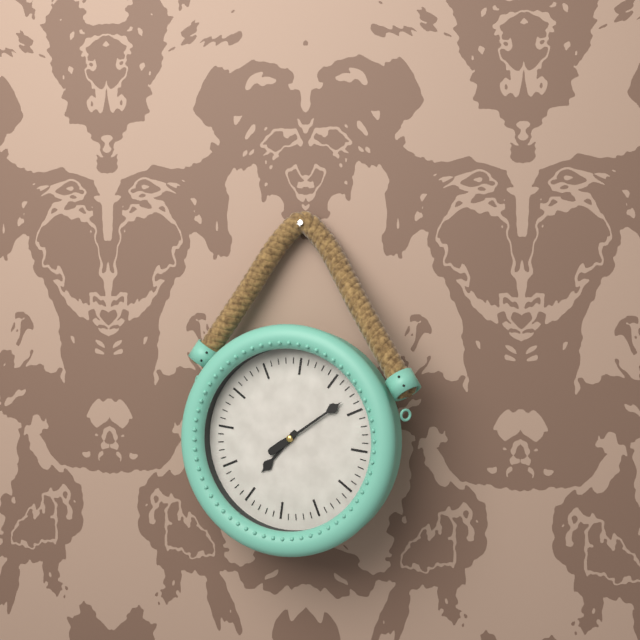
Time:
7.08
